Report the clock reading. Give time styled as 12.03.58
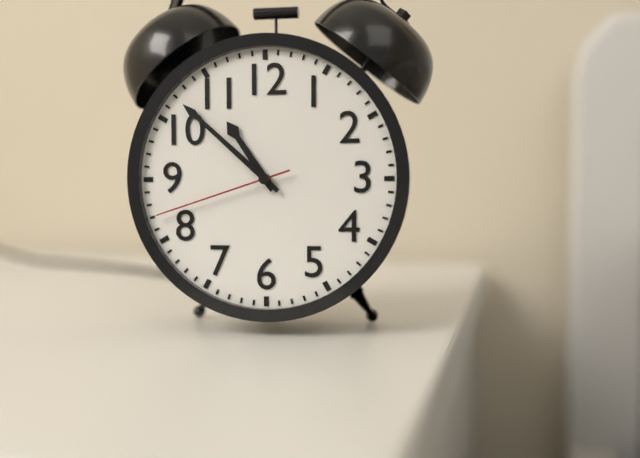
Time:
10.52.42
